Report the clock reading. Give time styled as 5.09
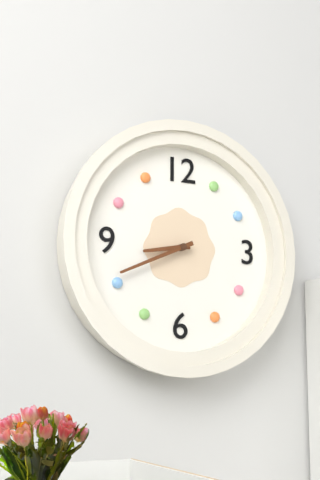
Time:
8.41
